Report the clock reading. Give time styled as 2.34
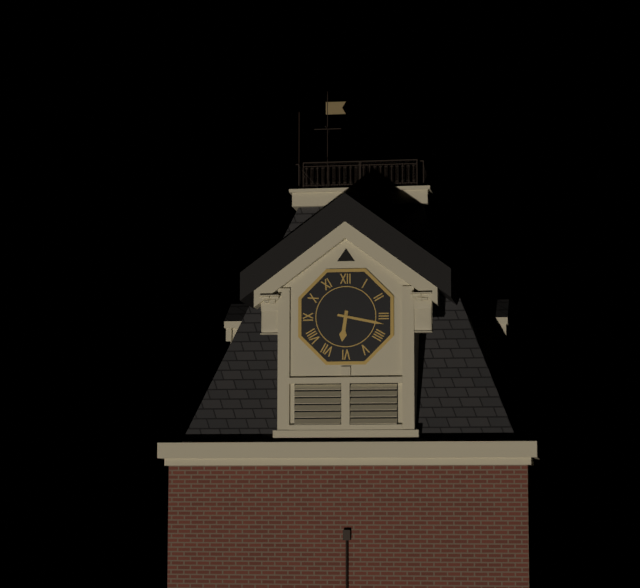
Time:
6.17
